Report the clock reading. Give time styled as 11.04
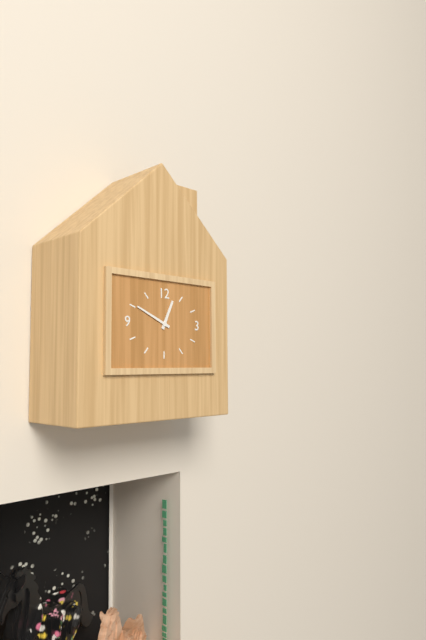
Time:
12.49
